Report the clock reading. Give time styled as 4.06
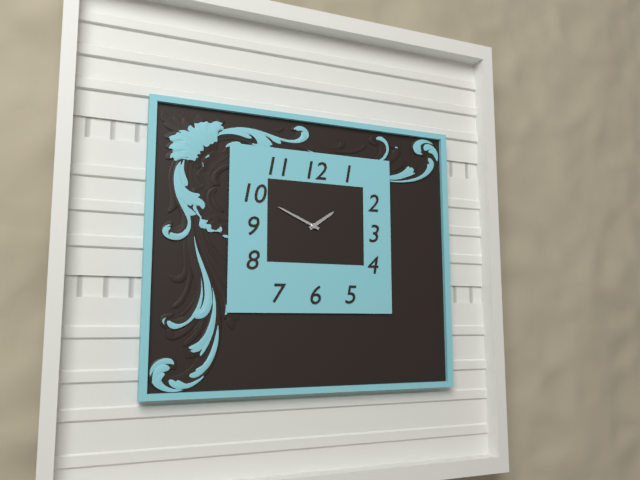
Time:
1.49
